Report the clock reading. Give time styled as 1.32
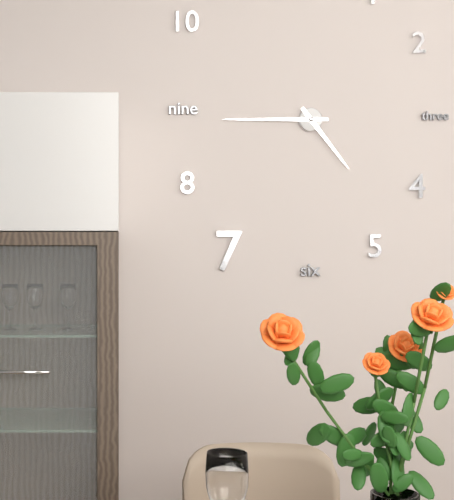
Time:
4.45
